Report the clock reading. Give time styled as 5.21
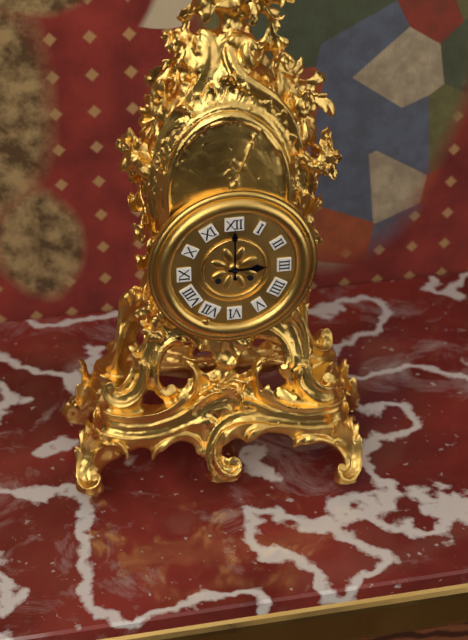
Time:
3.00
